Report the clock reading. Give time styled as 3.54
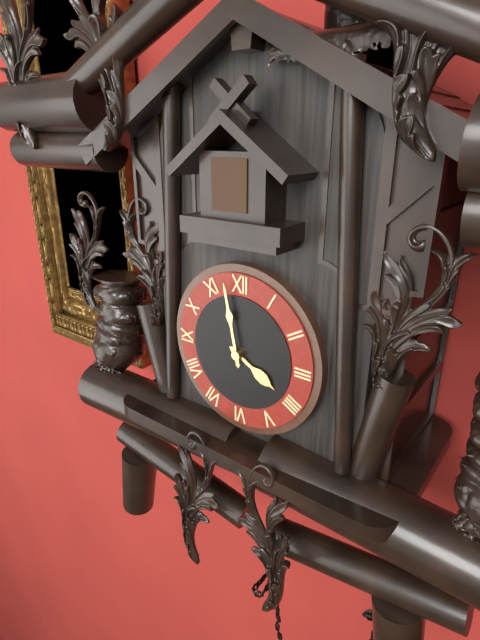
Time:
3.58
